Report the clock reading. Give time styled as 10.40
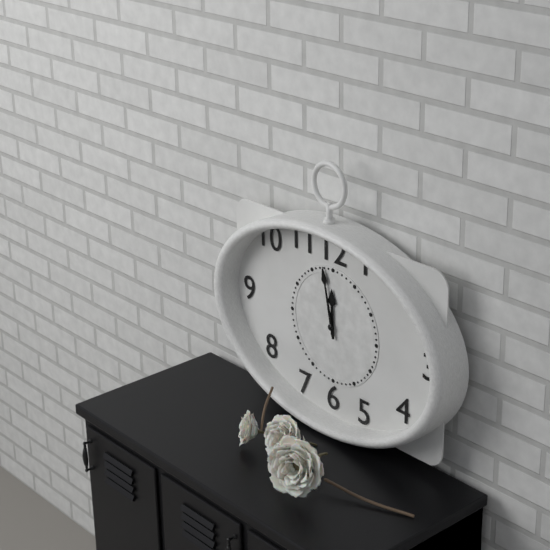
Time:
11.58
